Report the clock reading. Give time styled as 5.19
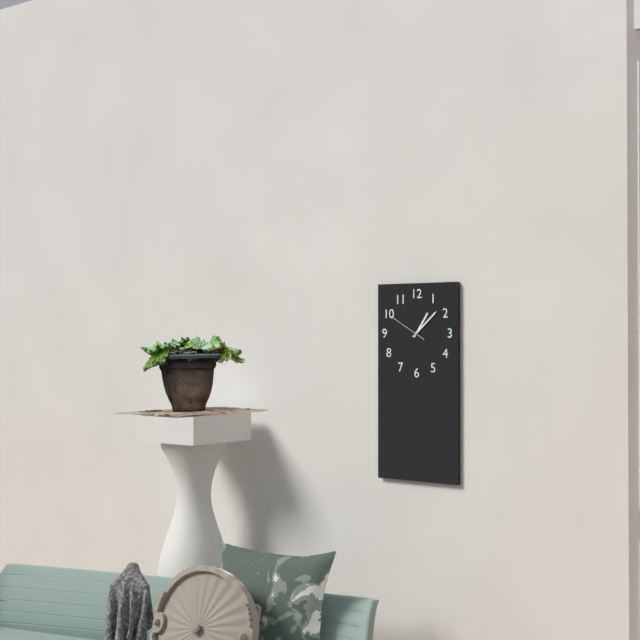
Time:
1.08
